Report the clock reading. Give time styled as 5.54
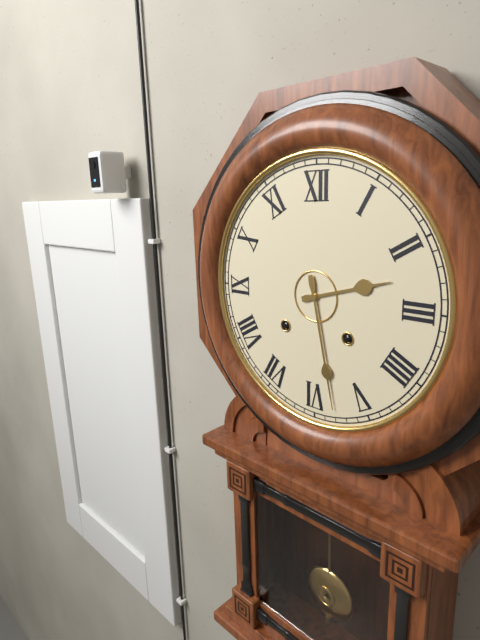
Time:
2.28
